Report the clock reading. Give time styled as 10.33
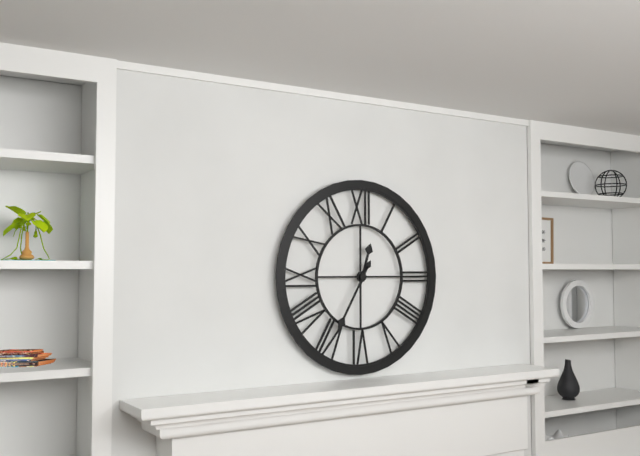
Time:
12.35
